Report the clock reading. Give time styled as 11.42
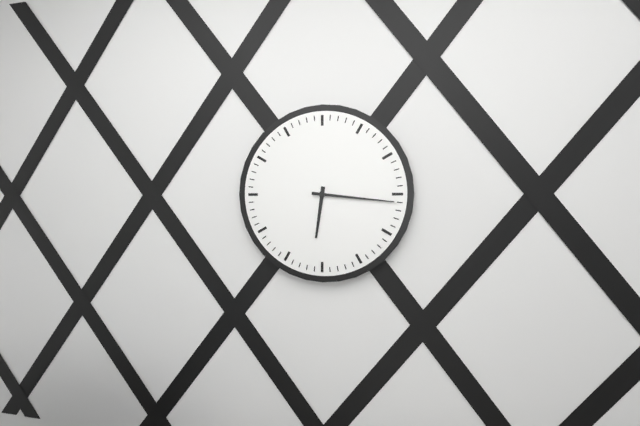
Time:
6.16
